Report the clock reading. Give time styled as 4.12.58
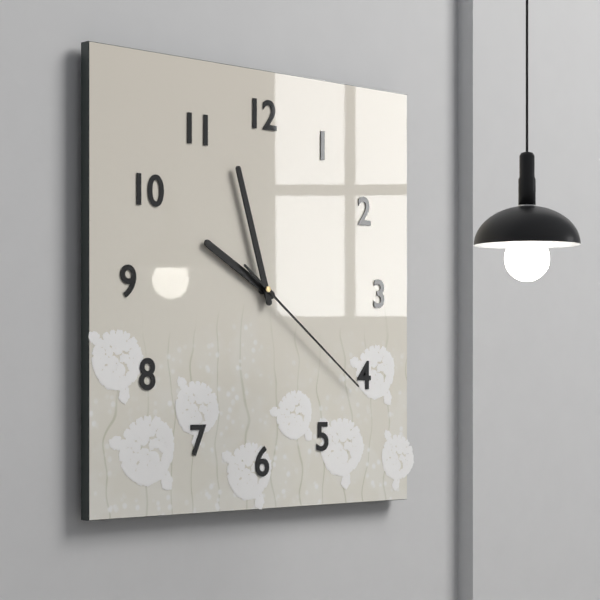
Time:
9.57.21
